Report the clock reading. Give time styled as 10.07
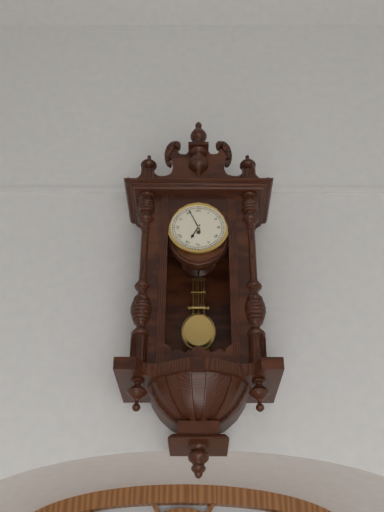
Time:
6.56
